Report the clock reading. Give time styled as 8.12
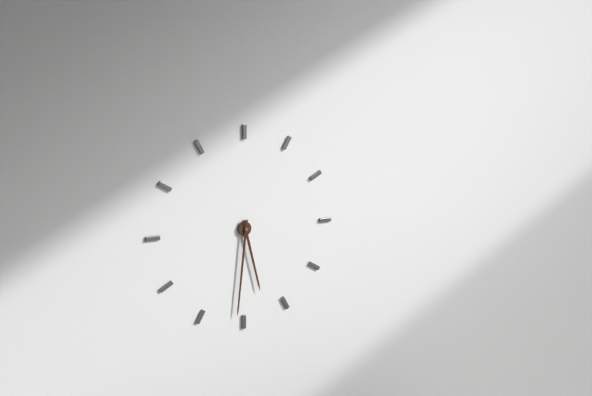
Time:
5.31
